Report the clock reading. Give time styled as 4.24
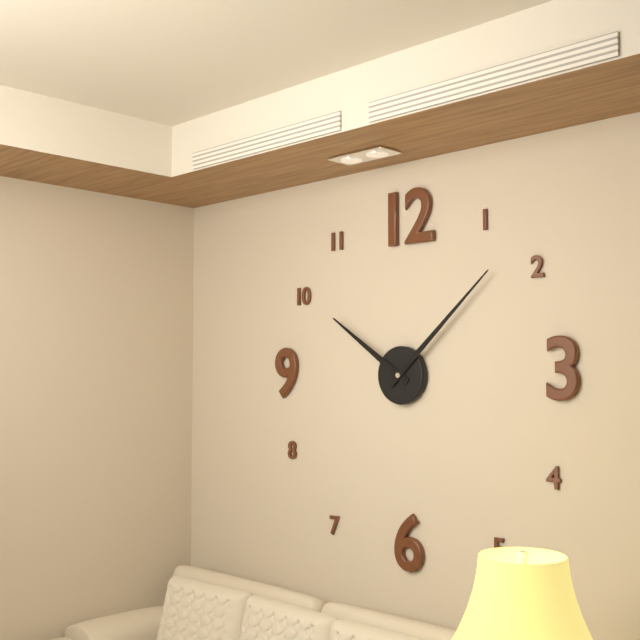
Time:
10.08
